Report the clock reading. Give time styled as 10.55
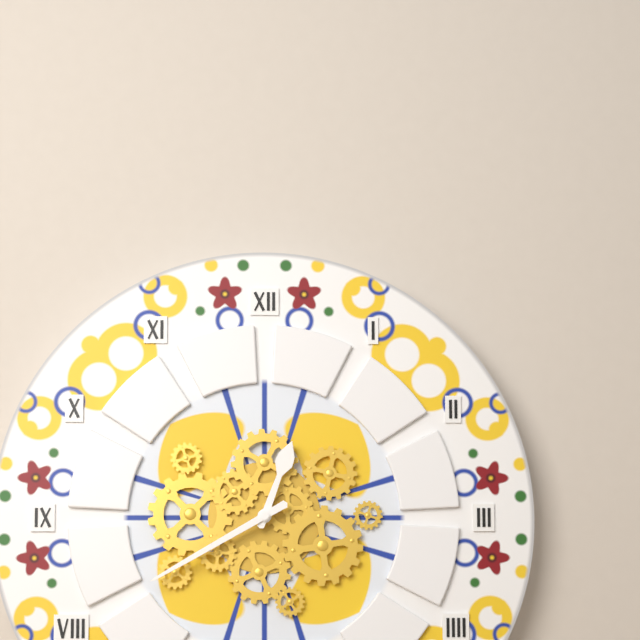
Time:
12.40
